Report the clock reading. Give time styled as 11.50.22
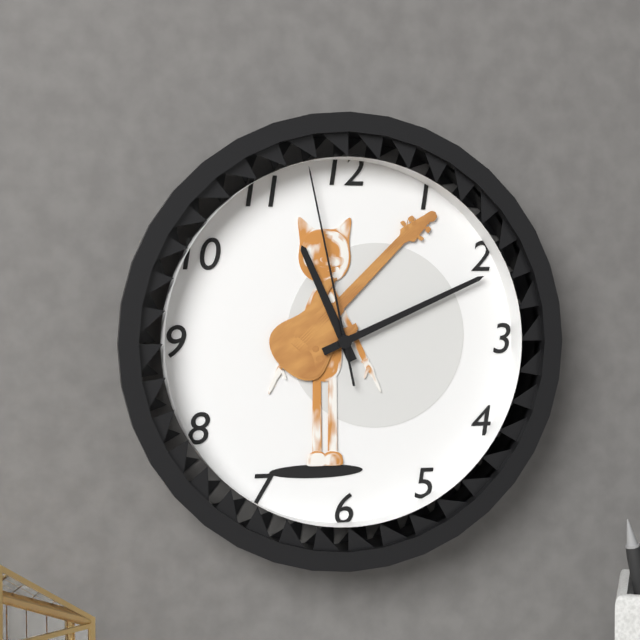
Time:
11.11.58
